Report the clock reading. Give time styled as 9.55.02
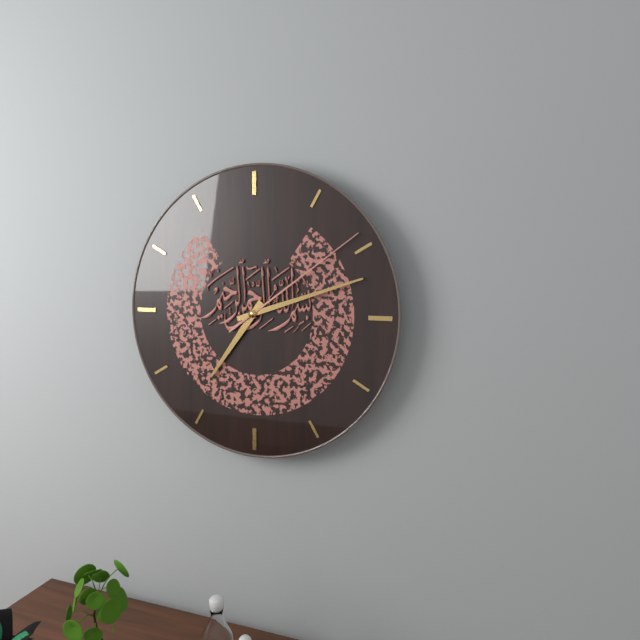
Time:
7.12.09
